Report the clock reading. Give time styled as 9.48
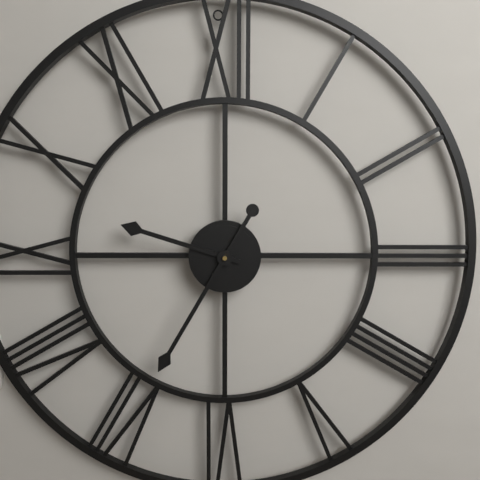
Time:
9.35
